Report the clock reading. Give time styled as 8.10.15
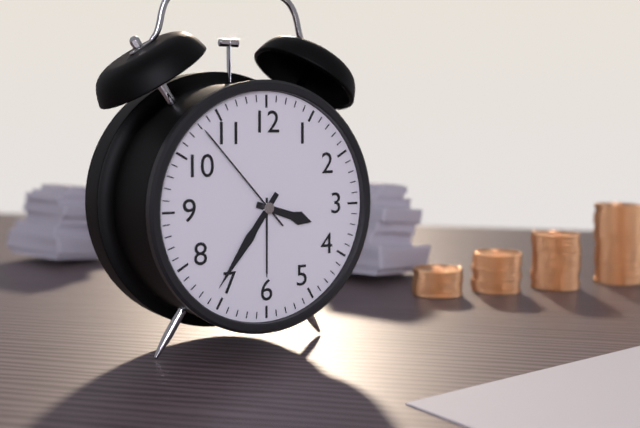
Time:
3.36.53
